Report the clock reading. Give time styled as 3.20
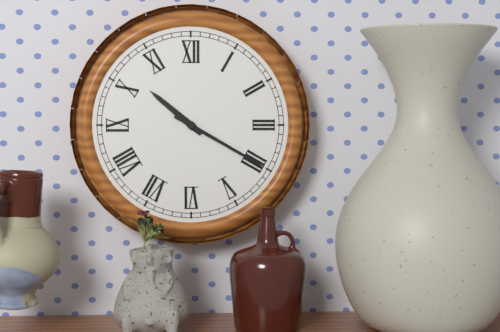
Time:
10.20
